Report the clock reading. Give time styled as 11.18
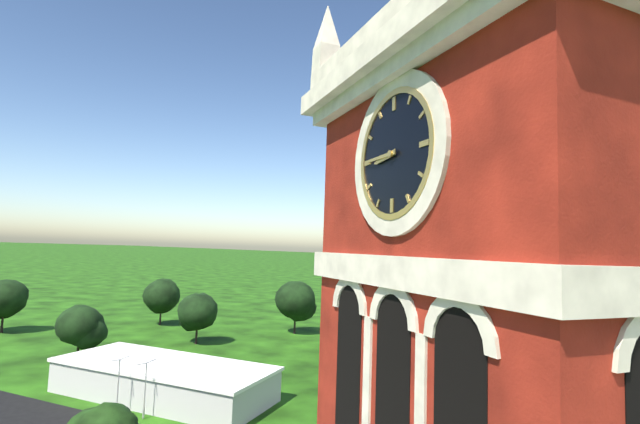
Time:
8.45
